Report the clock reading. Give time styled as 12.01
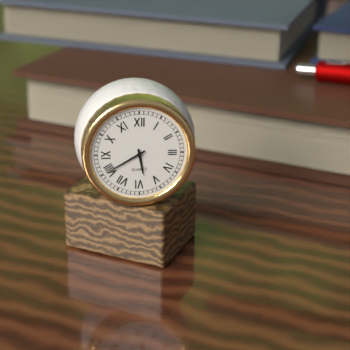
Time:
5.40
